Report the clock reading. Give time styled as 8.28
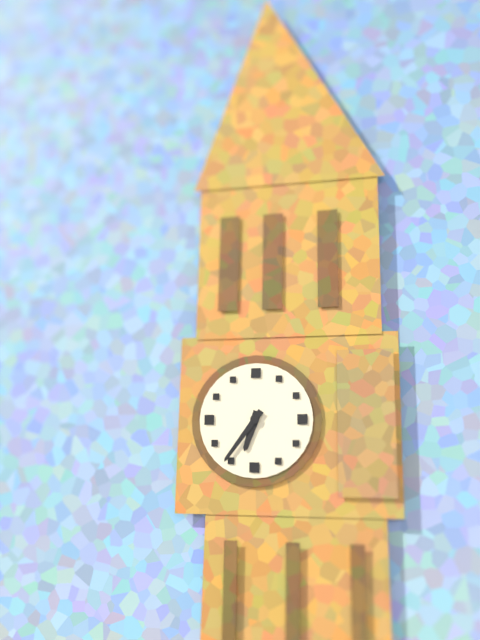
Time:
6.36
